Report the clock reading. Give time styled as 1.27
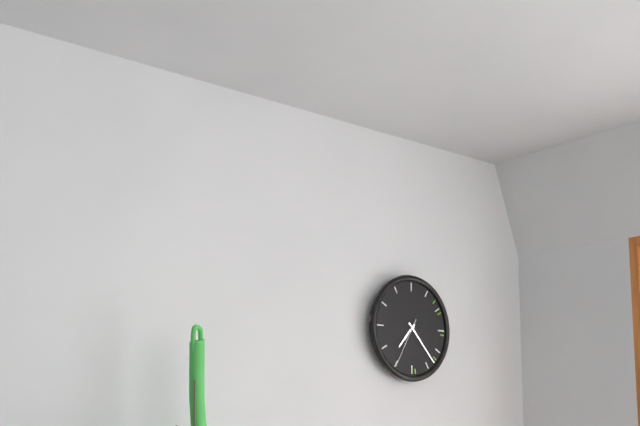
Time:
7.23
